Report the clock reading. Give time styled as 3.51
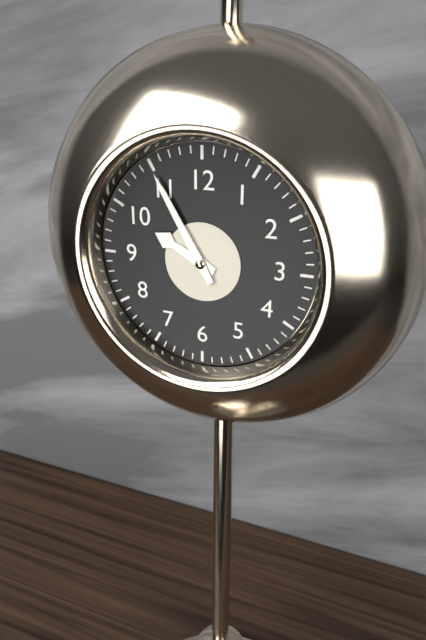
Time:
9.55
